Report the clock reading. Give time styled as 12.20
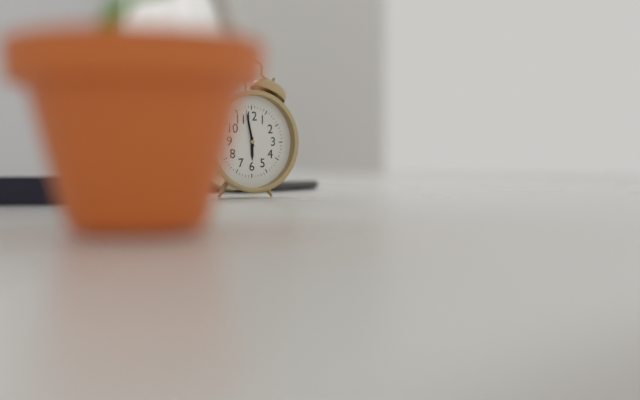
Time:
5.58
